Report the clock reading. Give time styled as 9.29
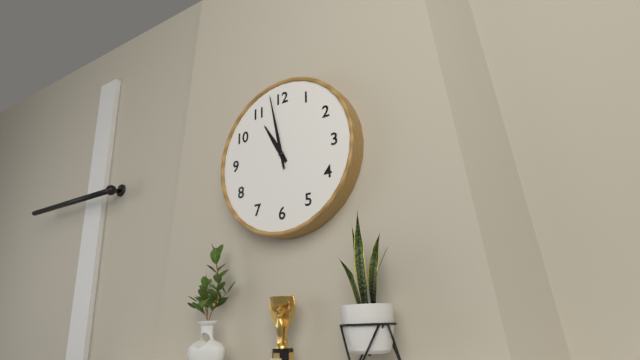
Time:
10.58
